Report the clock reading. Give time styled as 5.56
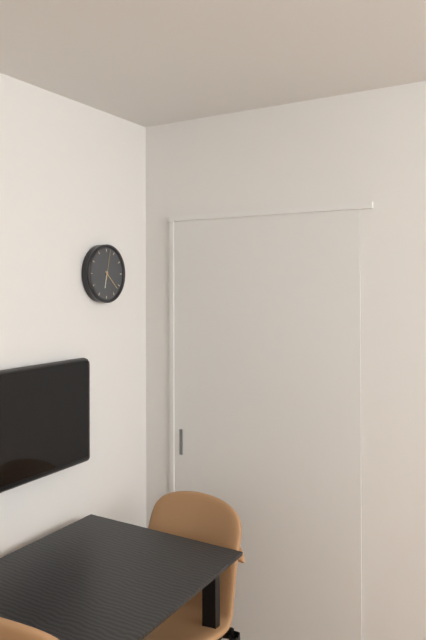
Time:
6.22
